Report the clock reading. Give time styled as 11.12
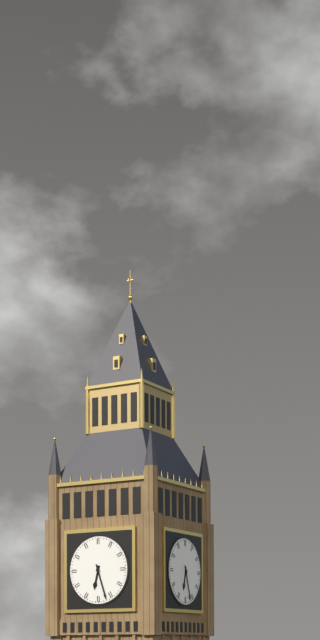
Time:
6.27
